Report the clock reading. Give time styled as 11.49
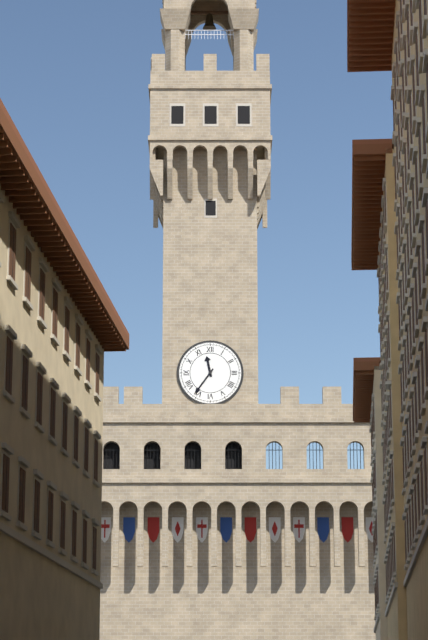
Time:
11.36
